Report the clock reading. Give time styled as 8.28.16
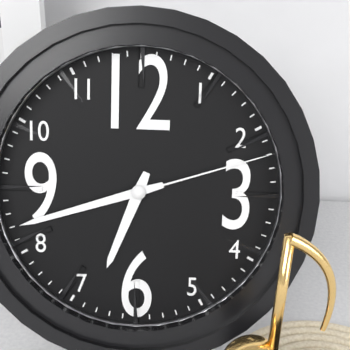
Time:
6.42.12
